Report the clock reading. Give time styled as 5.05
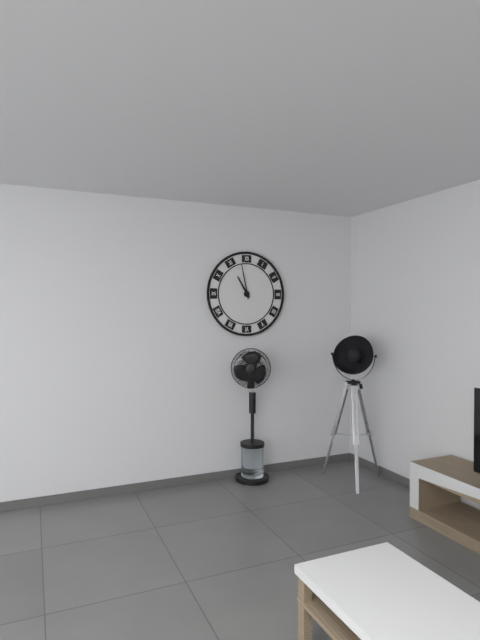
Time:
10.58
